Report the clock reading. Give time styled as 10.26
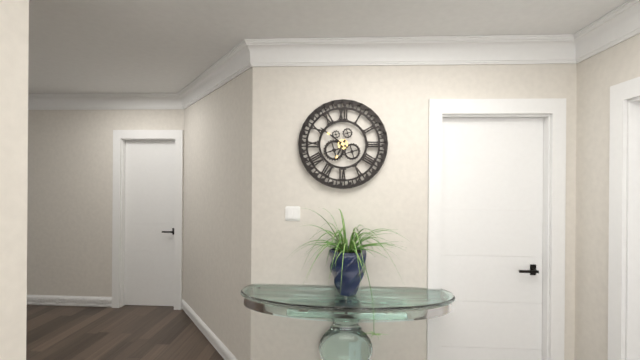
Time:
6.51
